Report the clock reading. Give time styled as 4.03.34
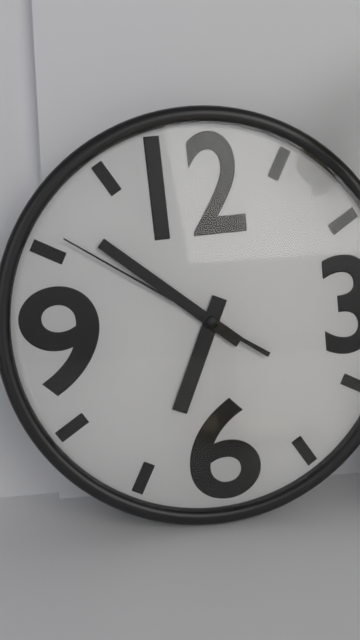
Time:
6.52.51
